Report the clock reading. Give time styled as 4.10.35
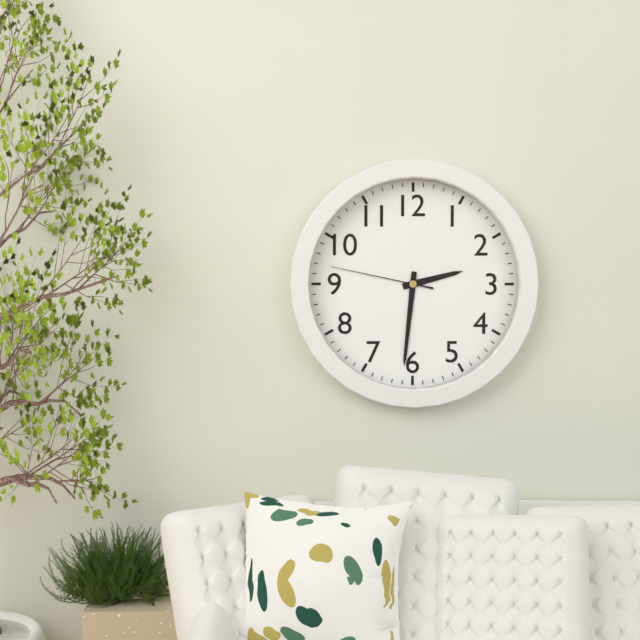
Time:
2.31.47
